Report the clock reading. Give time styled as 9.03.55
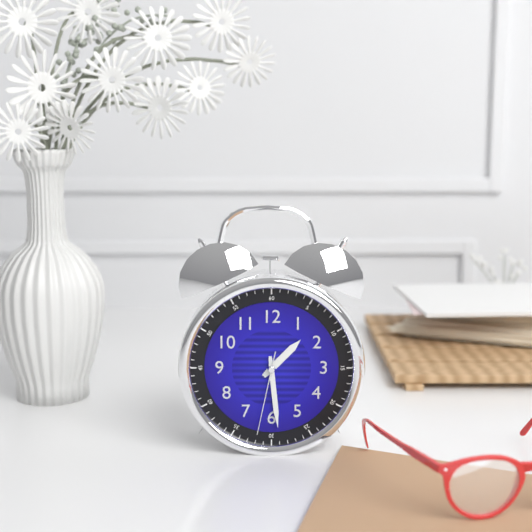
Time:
1.29.32
